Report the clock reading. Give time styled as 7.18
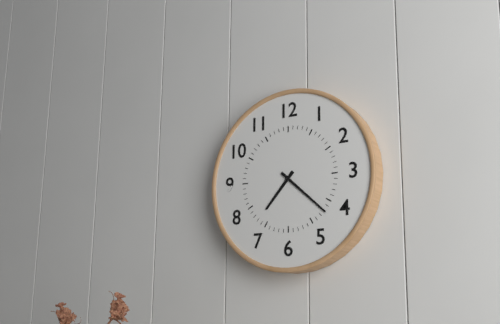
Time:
7.22
